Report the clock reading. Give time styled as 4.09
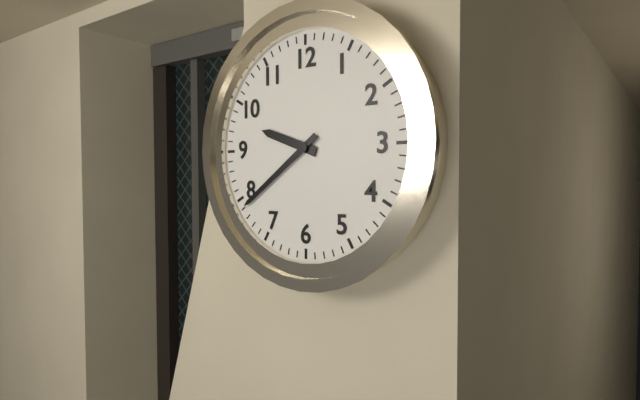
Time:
9.39
